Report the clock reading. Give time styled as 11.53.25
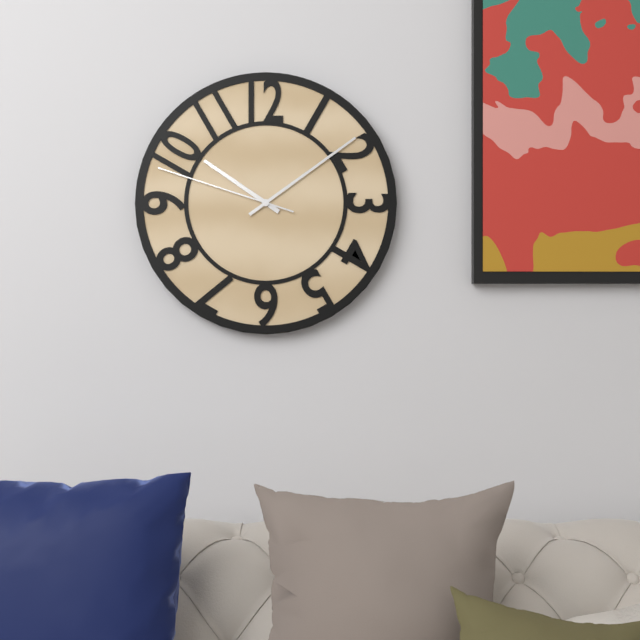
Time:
10.09.48
